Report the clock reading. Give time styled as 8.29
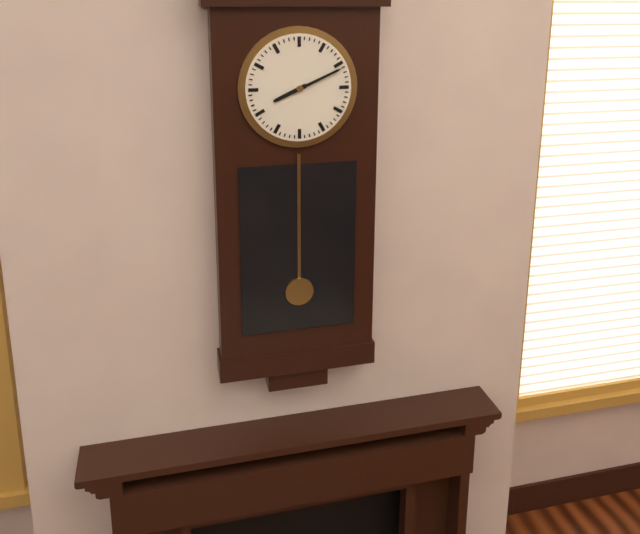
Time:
8.11
